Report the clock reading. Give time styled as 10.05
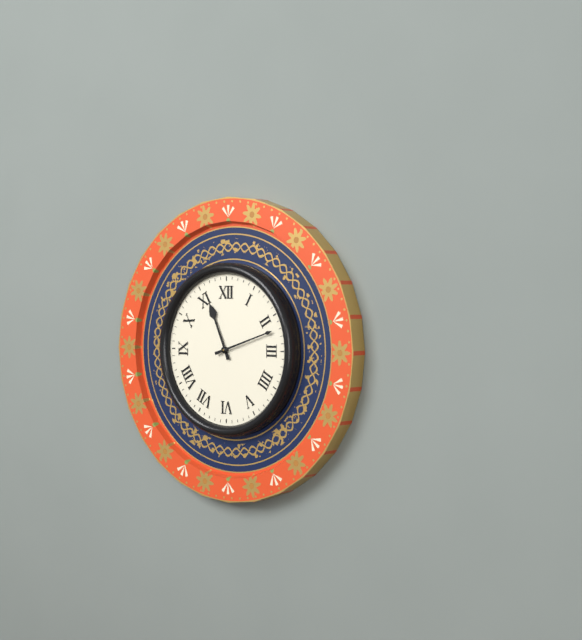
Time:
11.12
